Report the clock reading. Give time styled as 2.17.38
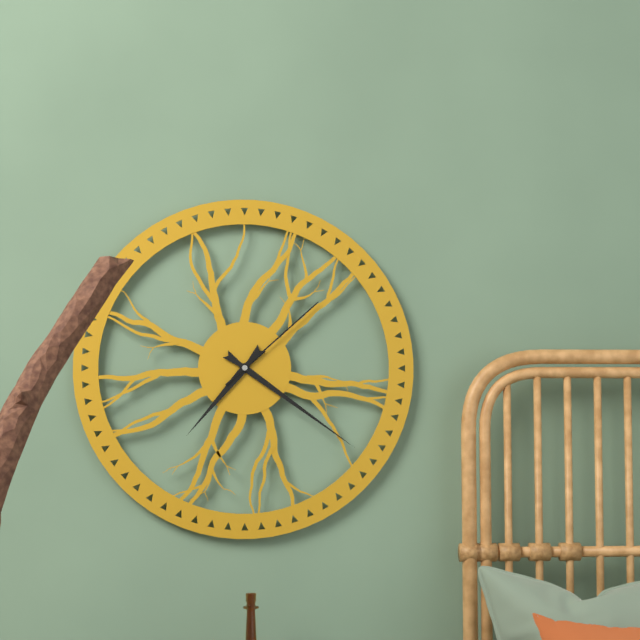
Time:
7.21.08
